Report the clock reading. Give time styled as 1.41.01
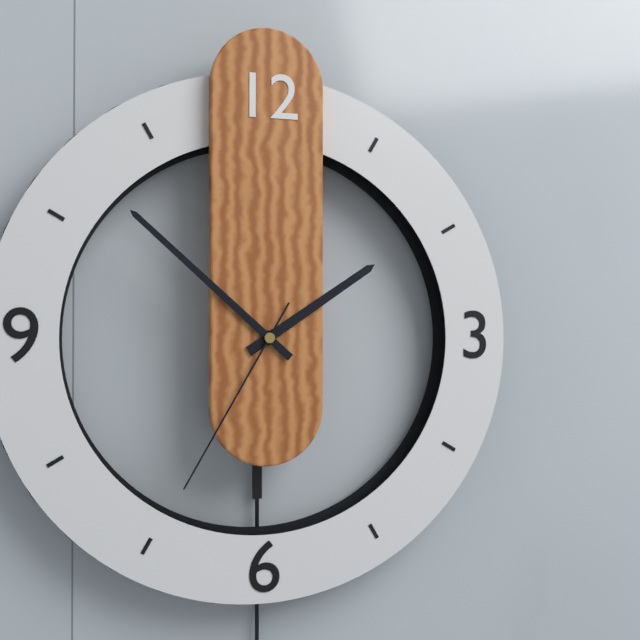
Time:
1.52.35
